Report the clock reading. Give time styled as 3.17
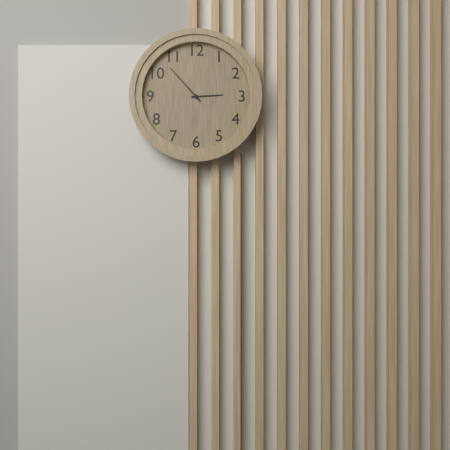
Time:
2.53
